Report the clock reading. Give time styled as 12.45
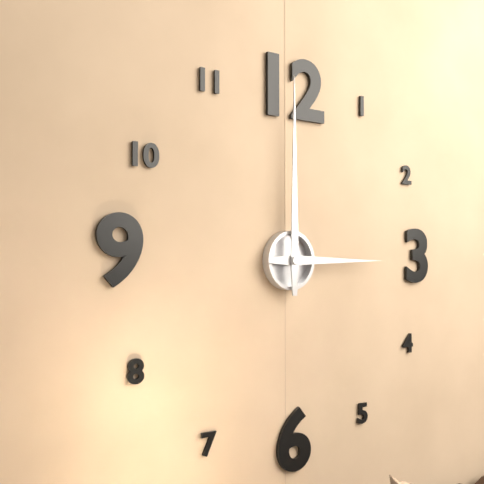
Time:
3.00
